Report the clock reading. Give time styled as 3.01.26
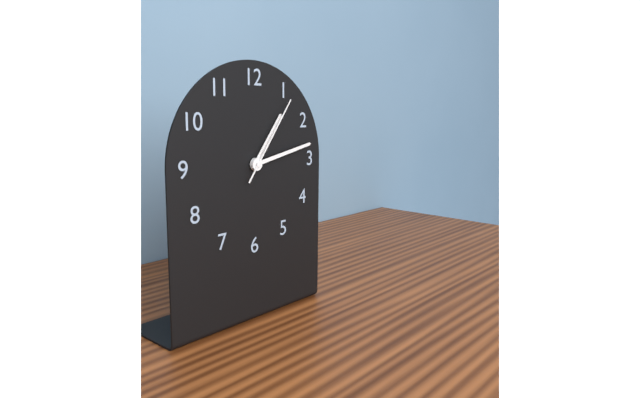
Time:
1.13.06
